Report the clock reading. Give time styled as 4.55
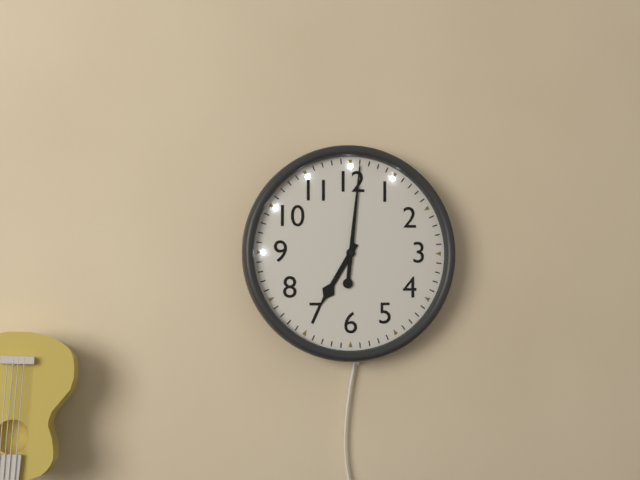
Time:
7.01
